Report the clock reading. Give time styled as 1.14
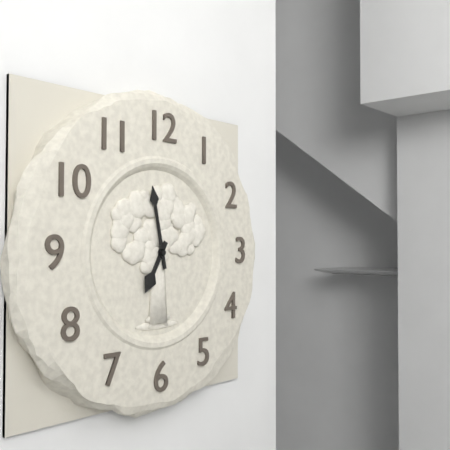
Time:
6.58
